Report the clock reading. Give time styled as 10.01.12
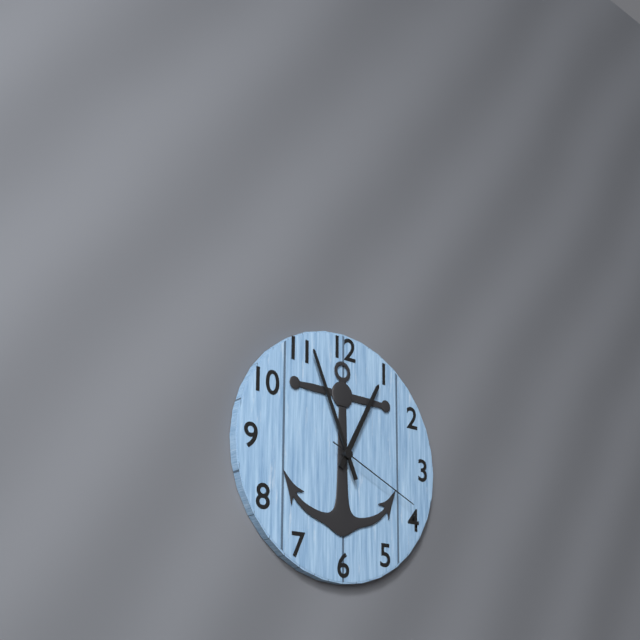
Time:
12.56.19
